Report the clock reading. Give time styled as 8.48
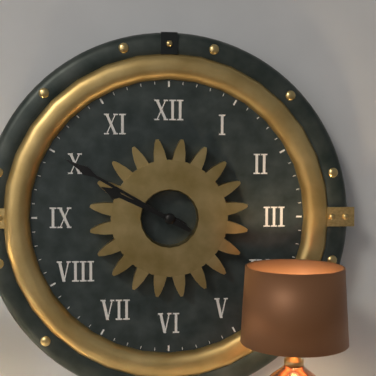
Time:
9.50
